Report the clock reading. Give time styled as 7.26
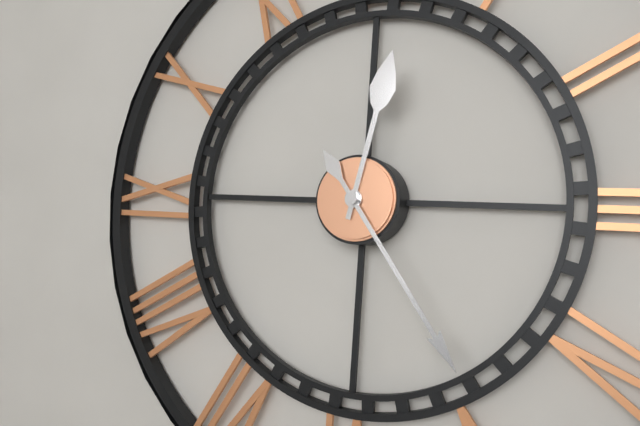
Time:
12.24
